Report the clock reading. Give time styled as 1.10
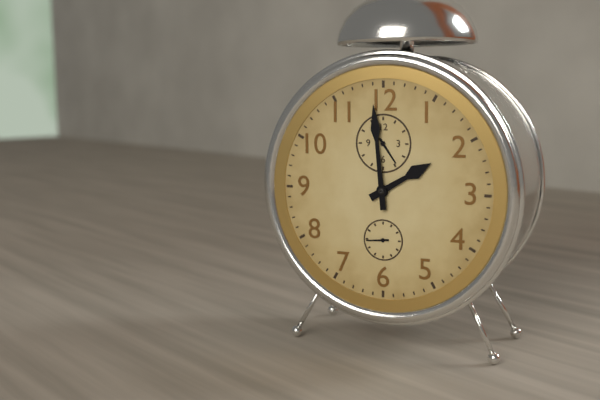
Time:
1.59
